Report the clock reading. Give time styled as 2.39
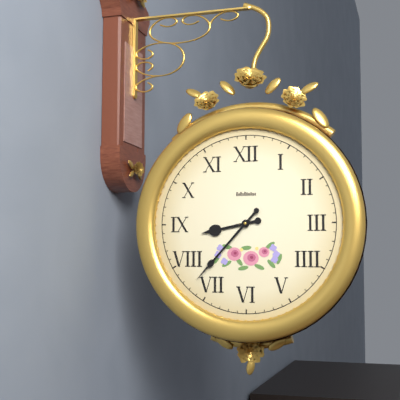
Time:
8.37
